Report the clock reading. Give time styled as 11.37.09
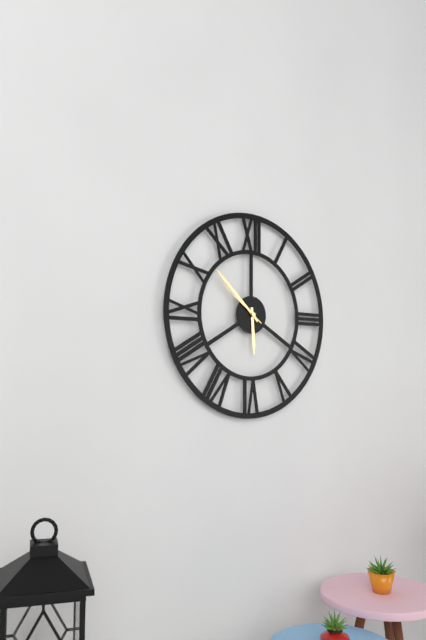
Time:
5.52.51
